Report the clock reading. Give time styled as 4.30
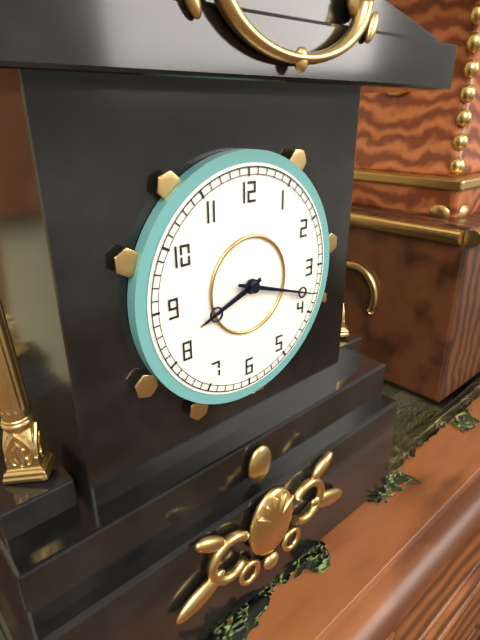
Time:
8.18
